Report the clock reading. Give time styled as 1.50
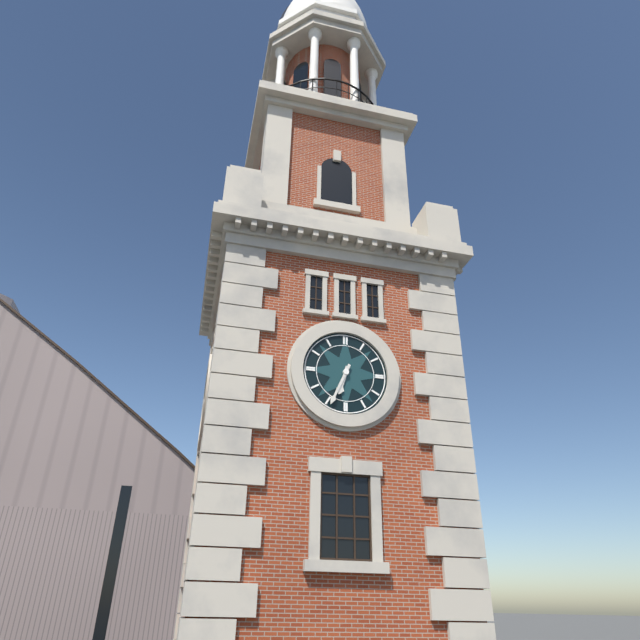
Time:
6.34
